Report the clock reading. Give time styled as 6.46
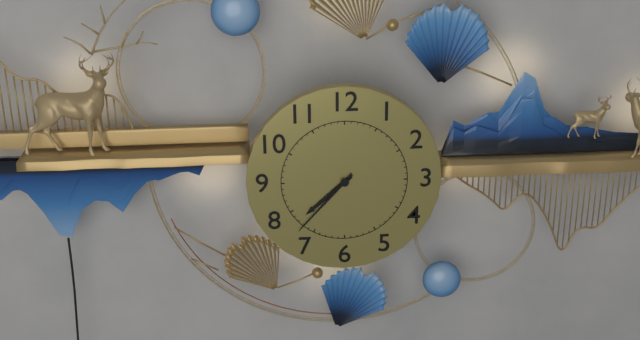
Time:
7.37
